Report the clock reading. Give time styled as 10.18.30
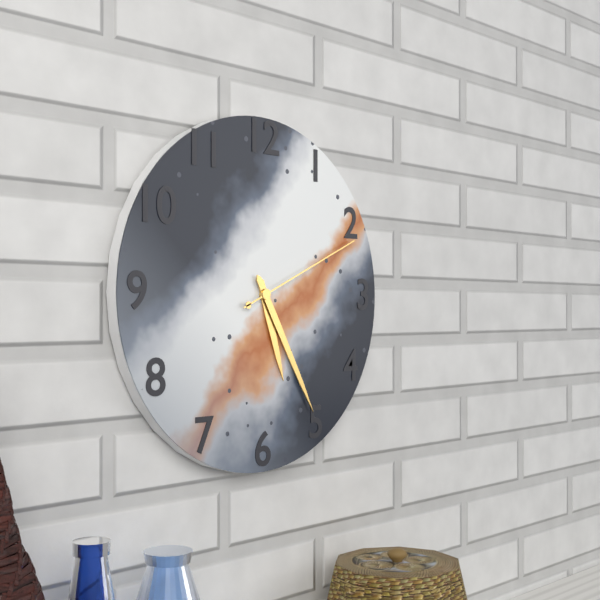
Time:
5.25.11
